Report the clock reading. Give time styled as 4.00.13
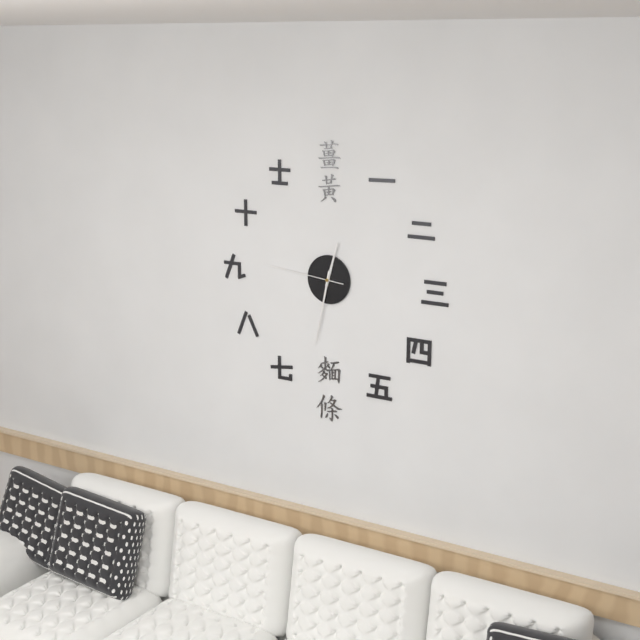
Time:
12.32.46
